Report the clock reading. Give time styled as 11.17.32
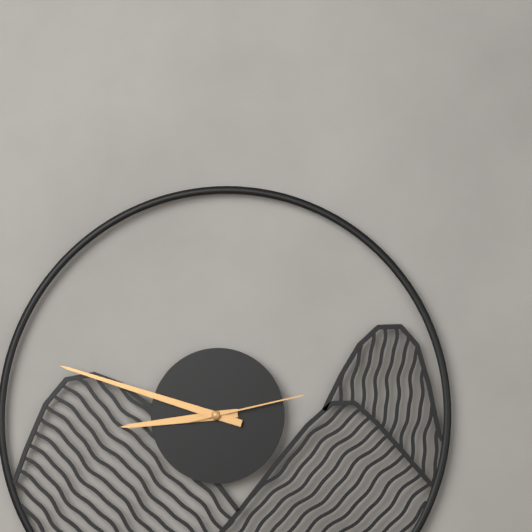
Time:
8.48.13
